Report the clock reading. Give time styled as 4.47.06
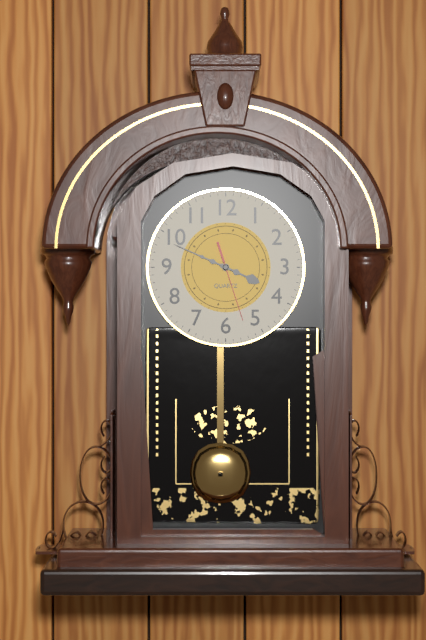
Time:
3.49.27
